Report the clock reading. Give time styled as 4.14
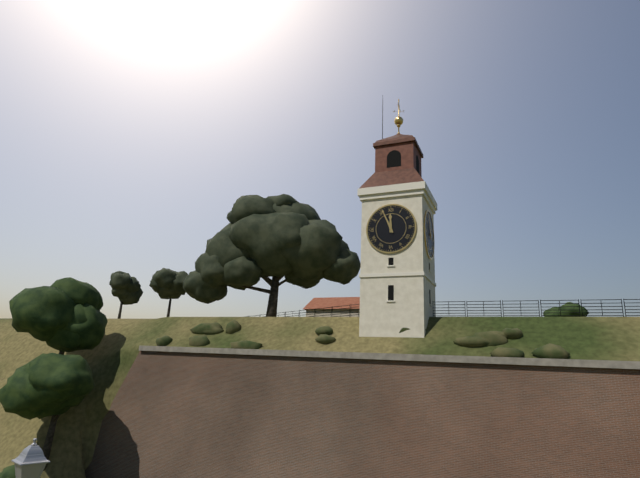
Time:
11.56
